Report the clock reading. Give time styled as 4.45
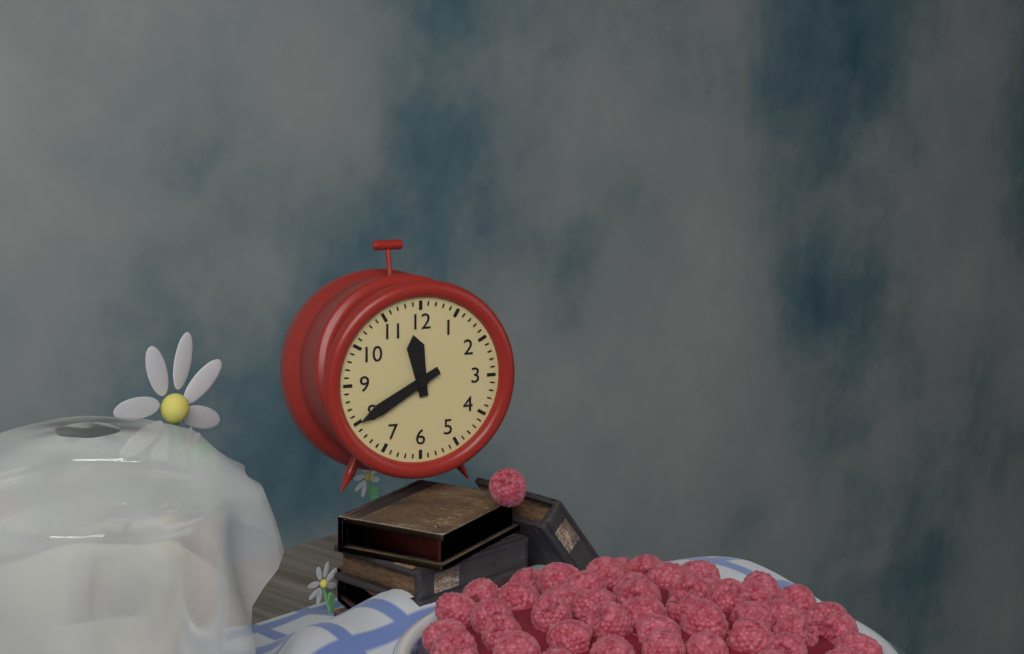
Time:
11.40
